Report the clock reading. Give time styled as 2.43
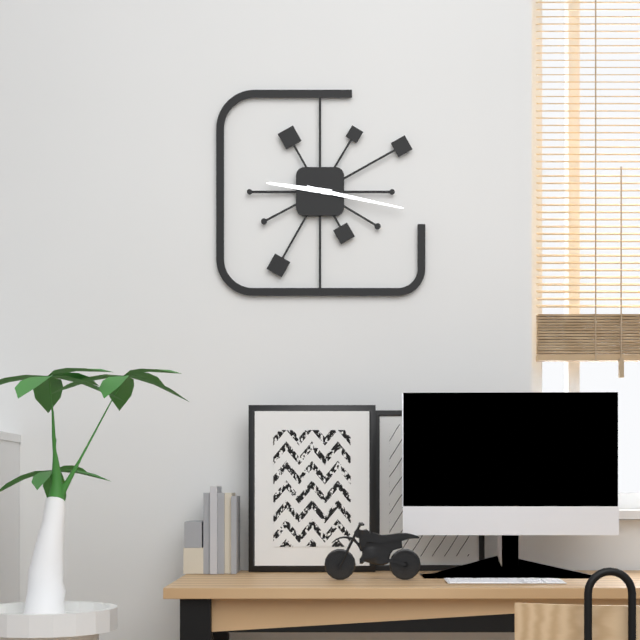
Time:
9.17
